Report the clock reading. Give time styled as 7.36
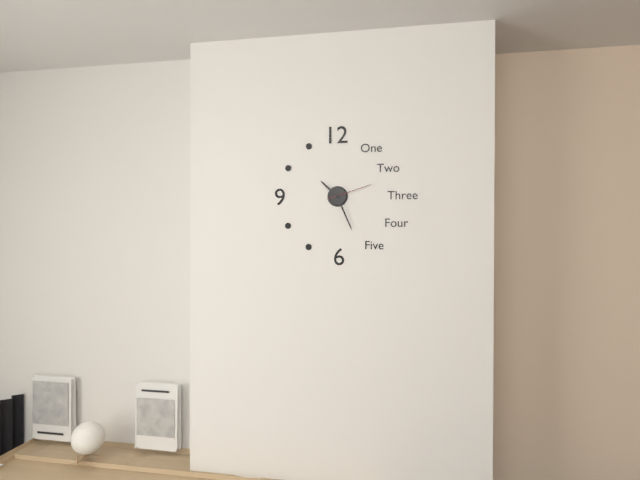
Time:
10.26
